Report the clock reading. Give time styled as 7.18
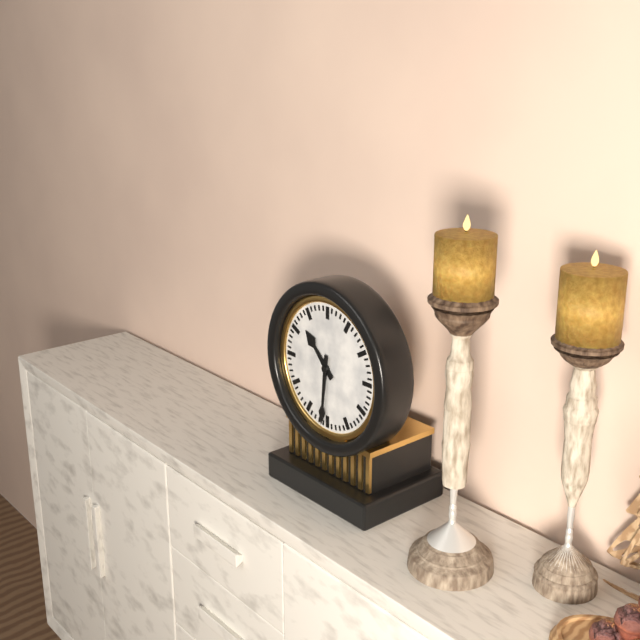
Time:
10.31
